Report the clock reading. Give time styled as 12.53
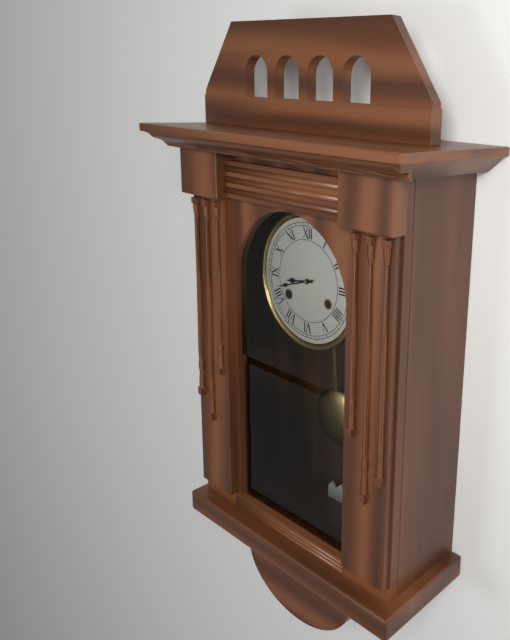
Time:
8.42
